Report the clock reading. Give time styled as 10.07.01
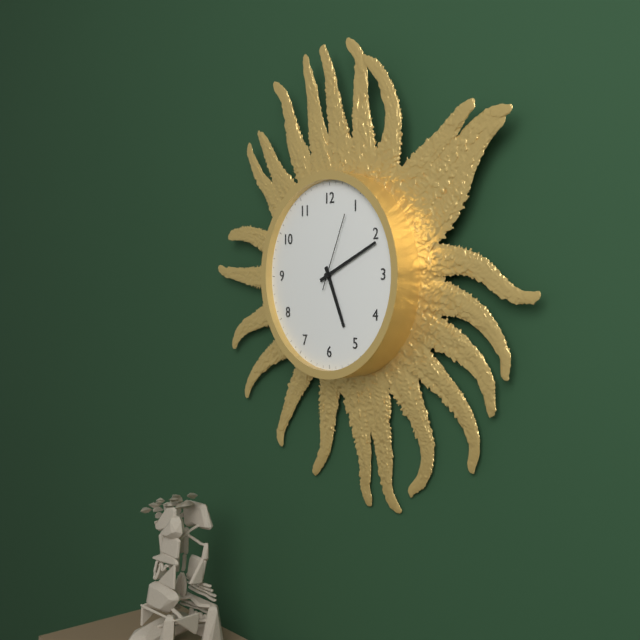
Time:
5.11.04
